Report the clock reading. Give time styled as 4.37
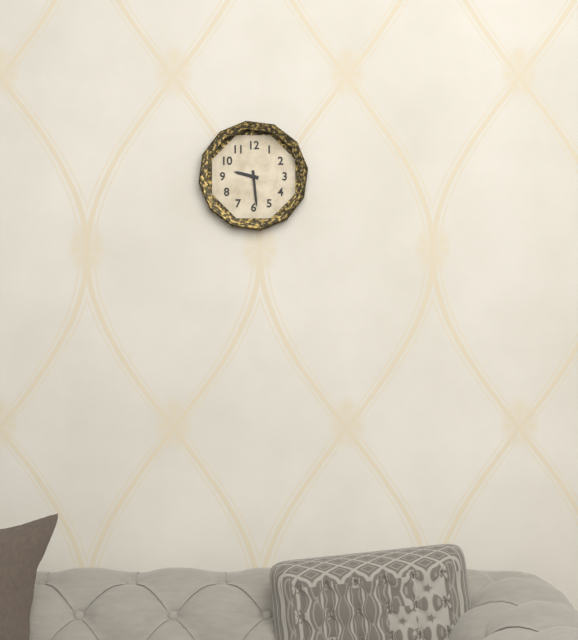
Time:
9.29
